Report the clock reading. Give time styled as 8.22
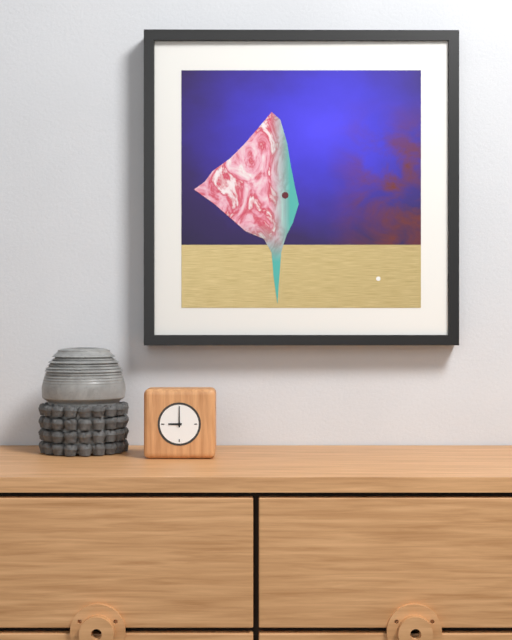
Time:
9.00
